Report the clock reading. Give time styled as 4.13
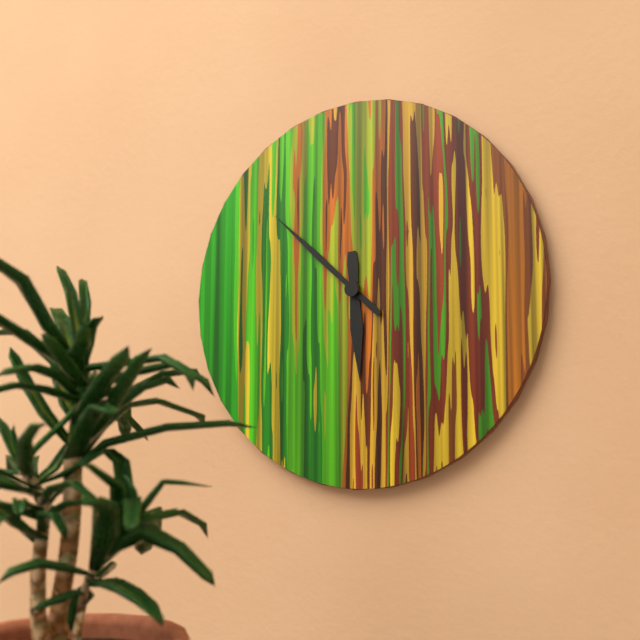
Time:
5.52
